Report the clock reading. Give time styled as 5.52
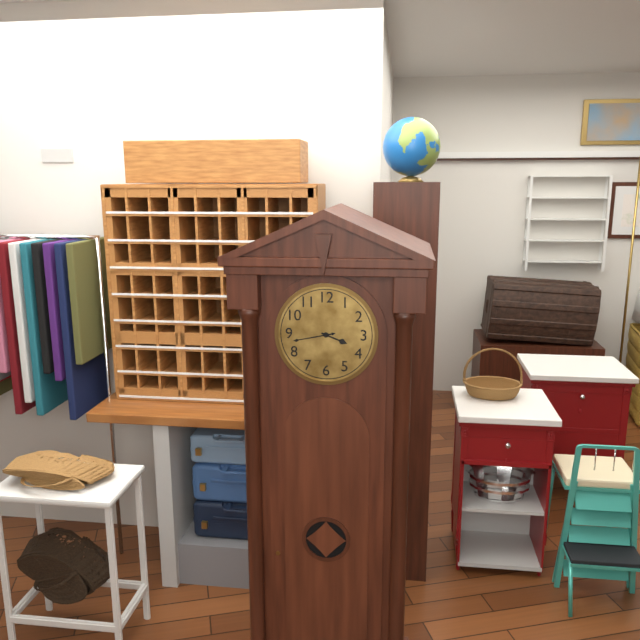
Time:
3.43
